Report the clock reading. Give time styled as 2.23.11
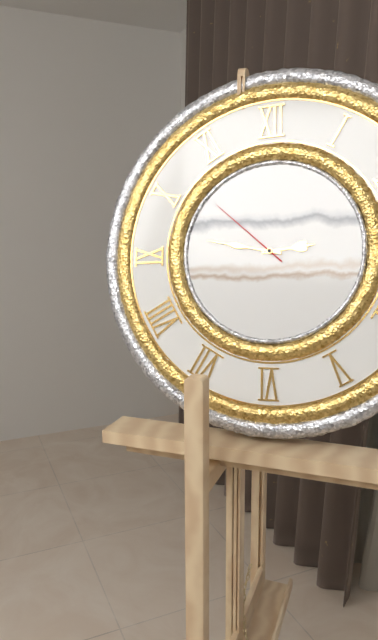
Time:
2.47.52
